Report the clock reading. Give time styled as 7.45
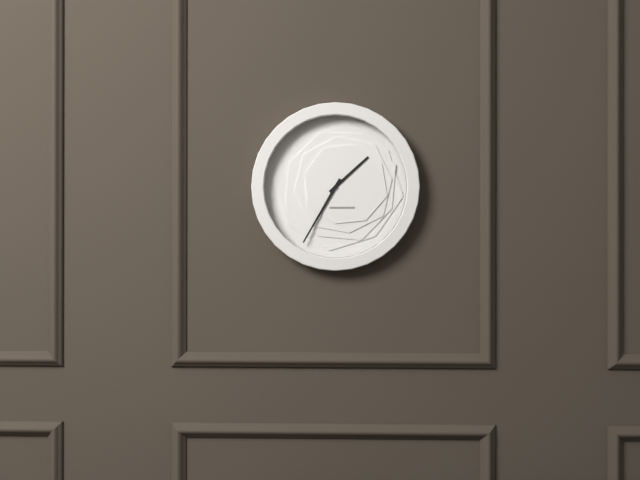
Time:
1.35
